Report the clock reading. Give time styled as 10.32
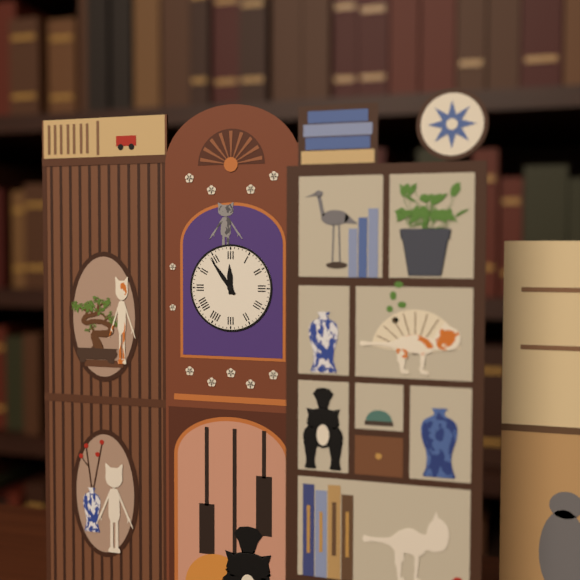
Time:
11.54
